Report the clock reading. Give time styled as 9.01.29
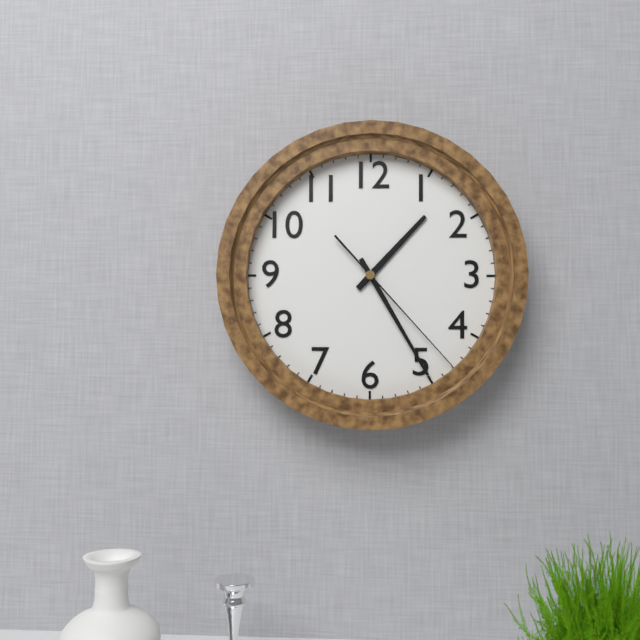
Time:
1.25.23
